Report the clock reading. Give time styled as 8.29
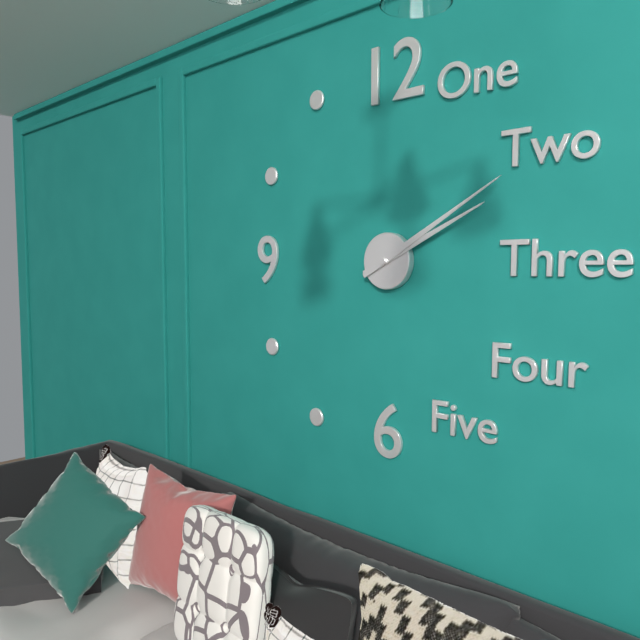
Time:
2.10
